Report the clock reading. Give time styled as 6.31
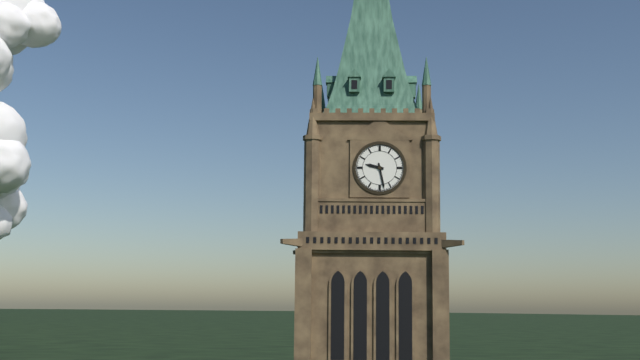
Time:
9.28
